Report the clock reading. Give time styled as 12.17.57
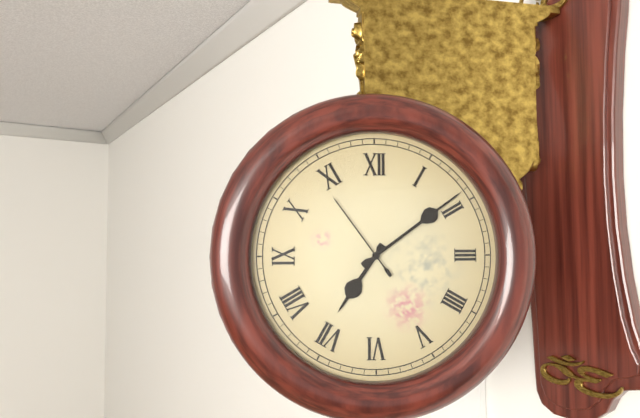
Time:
7.09.54
